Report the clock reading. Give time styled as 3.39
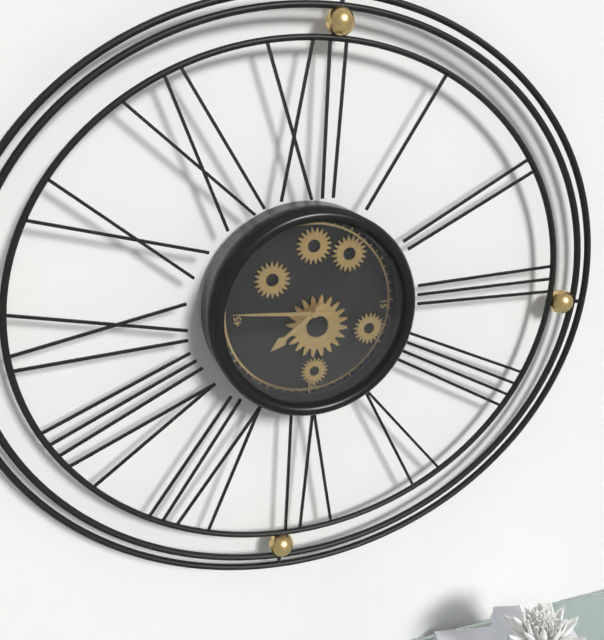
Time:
7.46
